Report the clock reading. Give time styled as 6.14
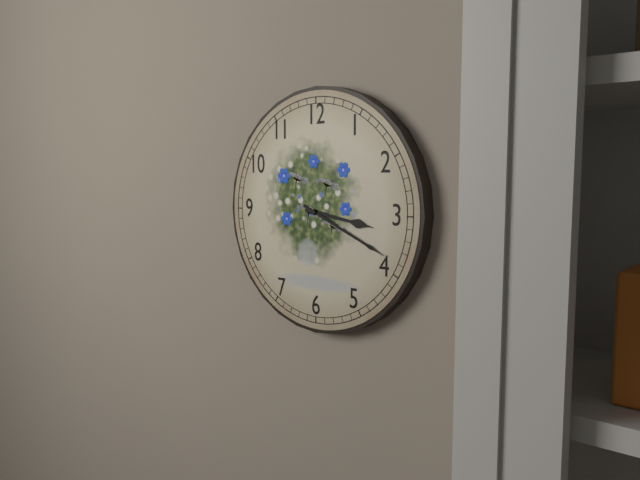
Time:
3.19
